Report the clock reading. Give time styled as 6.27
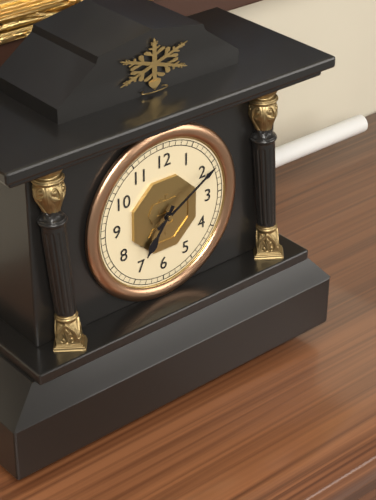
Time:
7.10
